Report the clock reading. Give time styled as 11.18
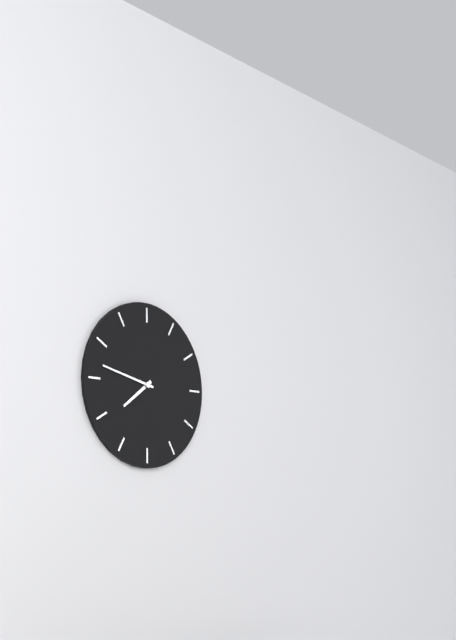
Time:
7.47
